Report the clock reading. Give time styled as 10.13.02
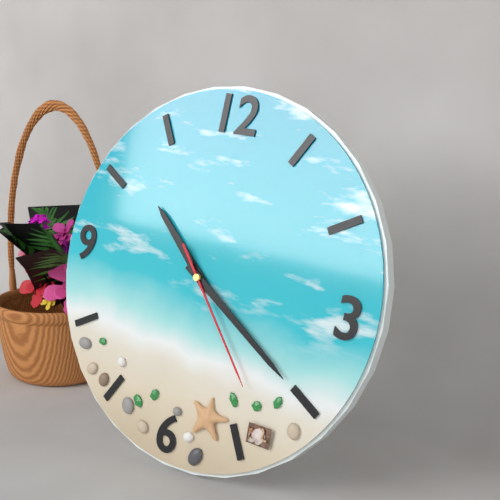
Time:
10.20.23
